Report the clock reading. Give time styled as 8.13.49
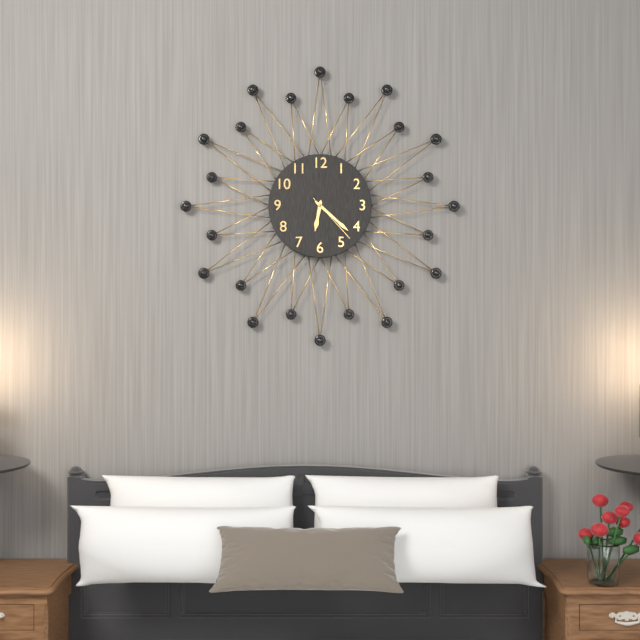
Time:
6.22.23
